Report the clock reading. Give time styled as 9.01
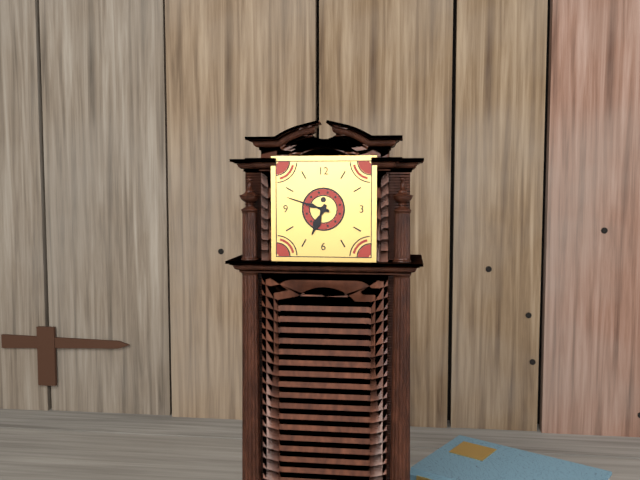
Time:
6.48
